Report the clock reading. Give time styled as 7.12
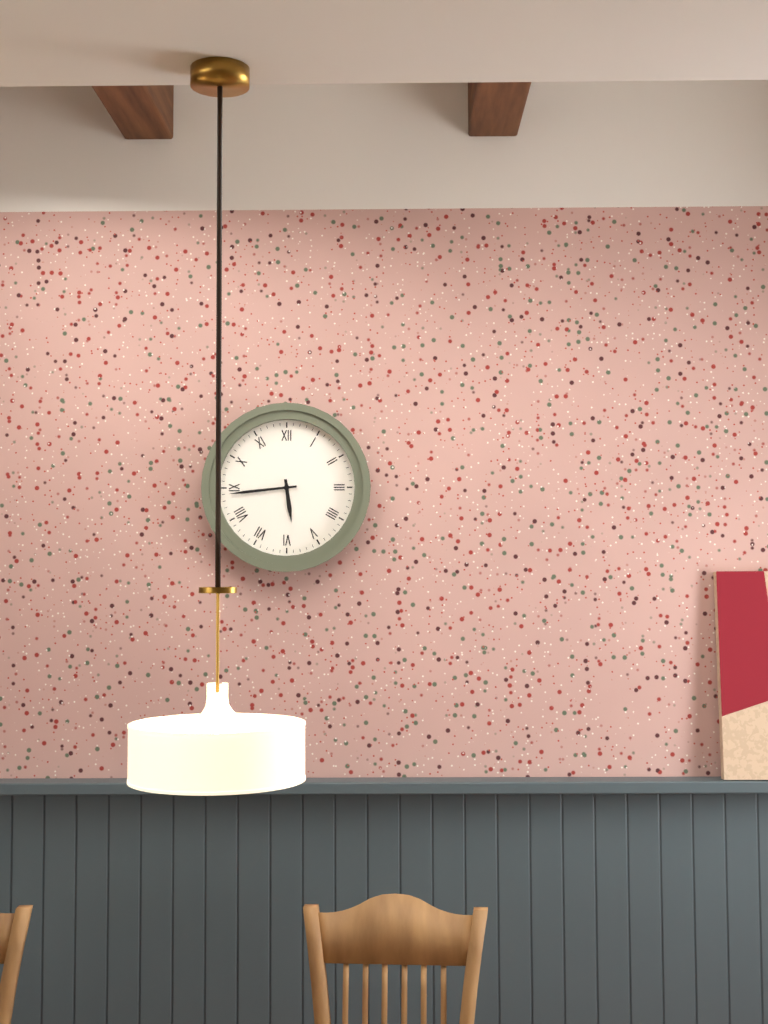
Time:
5.44
